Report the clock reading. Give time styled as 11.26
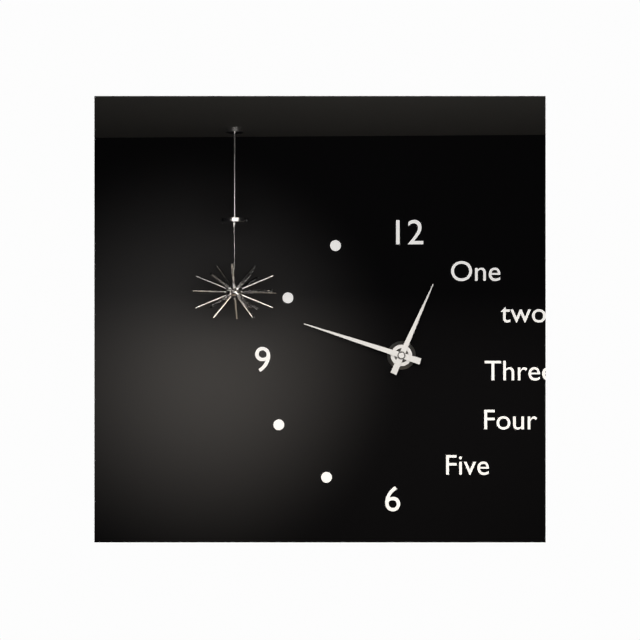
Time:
12.48
